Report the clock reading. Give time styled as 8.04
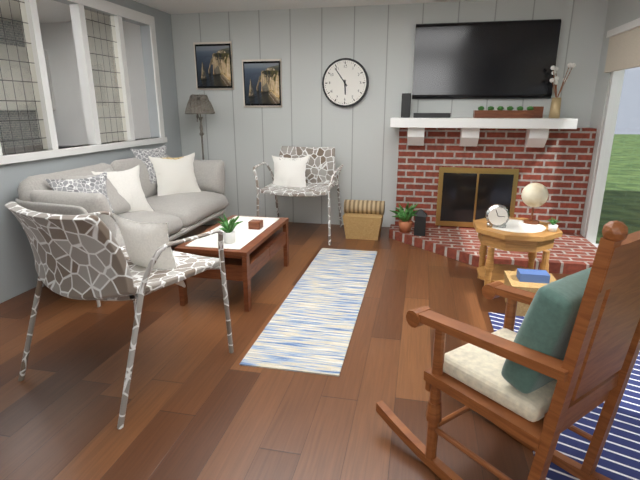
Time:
5.54
